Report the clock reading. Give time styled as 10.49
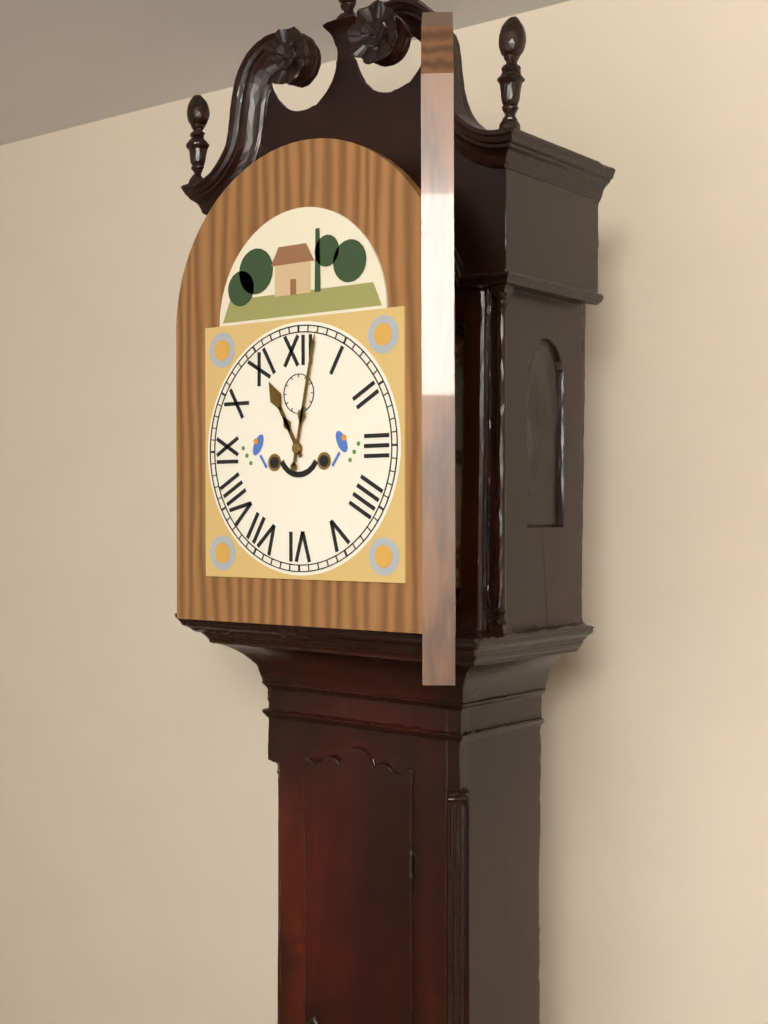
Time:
11.02
